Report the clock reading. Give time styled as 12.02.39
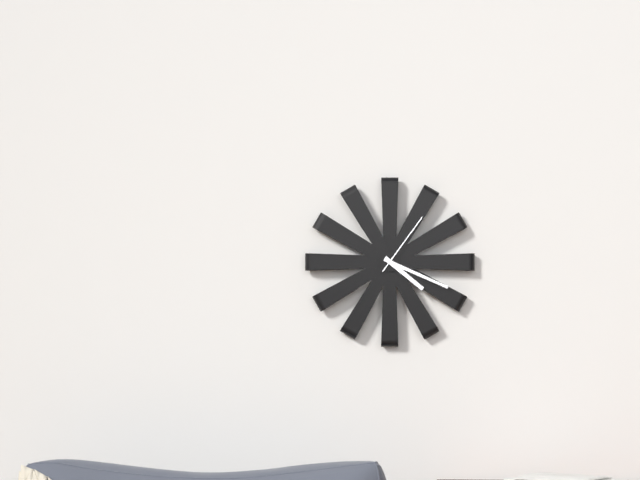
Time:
4.19.06
